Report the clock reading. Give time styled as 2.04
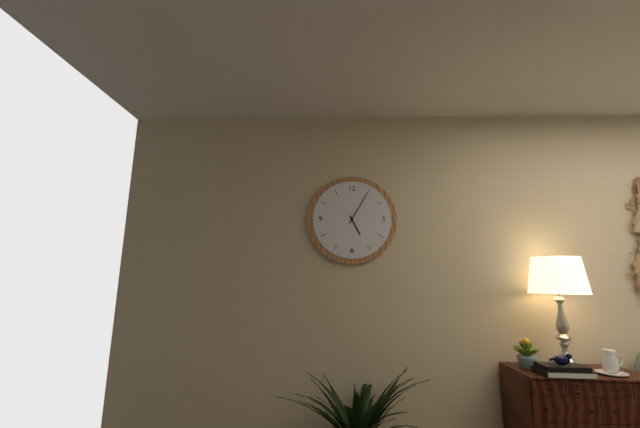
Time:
5.05
